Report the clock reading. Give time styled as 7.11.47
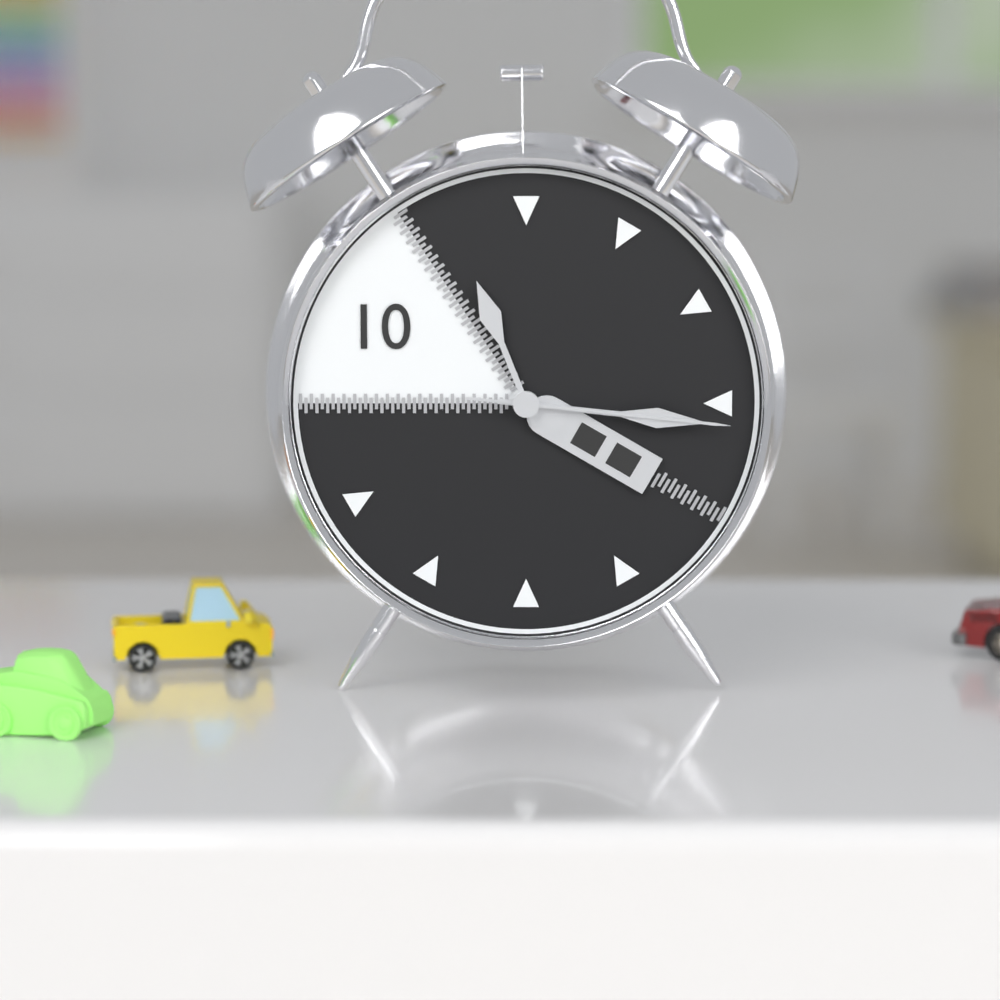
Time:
11.16.16
